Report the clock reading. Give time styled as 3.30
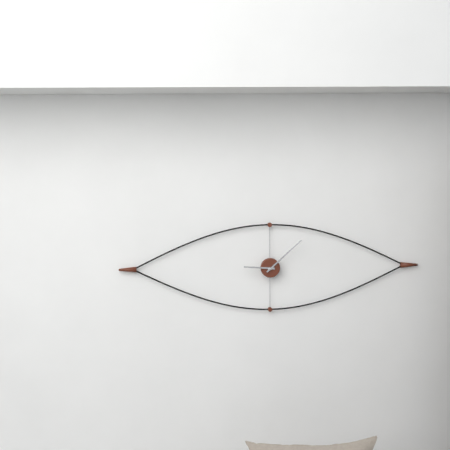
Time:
9.08
